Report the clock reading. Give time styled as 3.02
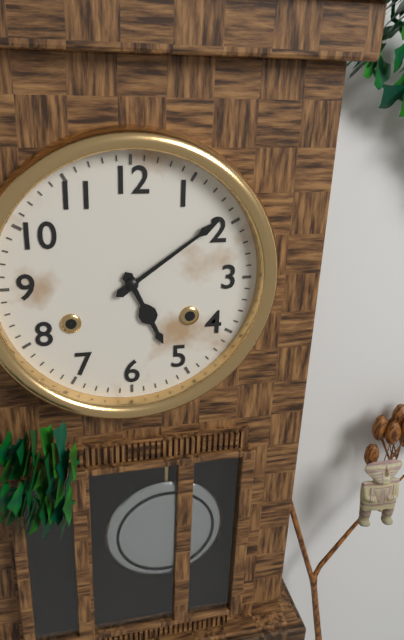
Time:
5.09
